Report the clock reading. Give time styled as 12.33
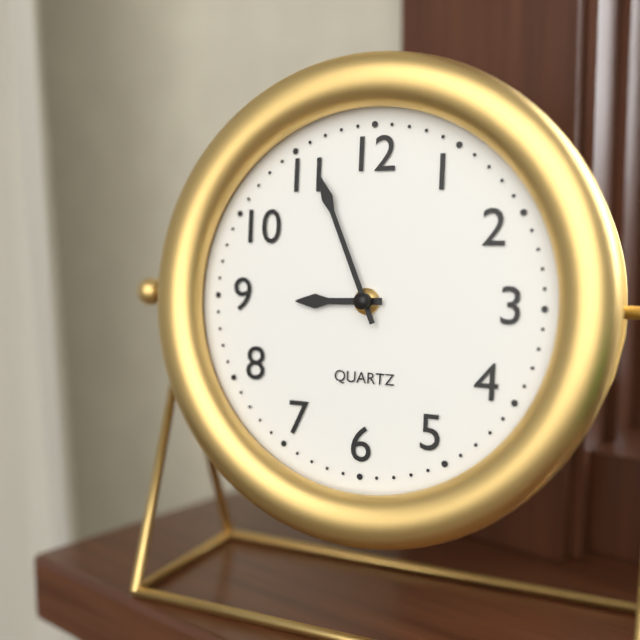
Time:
8.56
